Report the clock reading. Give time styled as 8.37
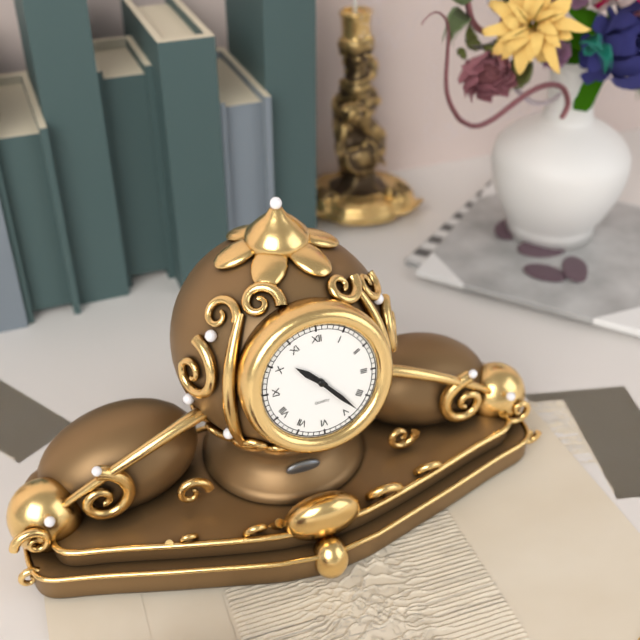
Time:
10.23
